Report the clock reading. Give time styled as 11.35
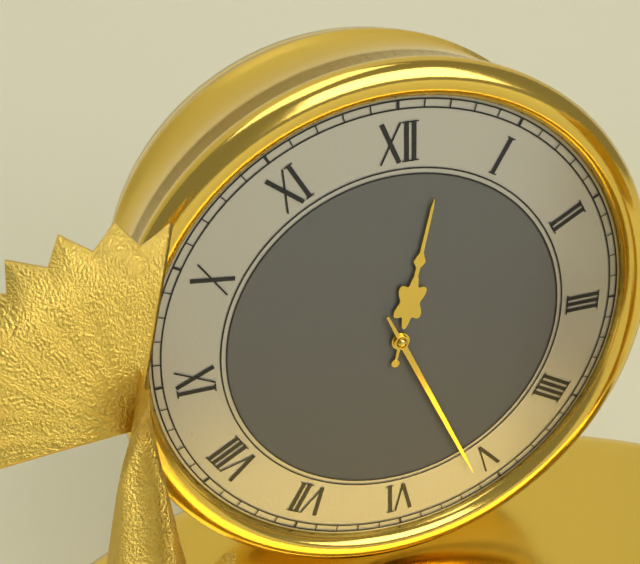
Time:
12.26
